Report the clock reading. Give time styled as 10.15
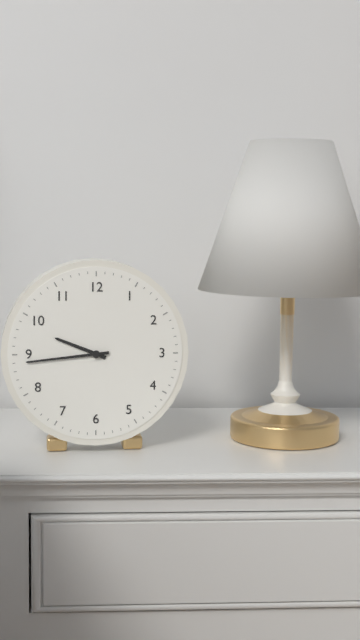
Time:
9.44
